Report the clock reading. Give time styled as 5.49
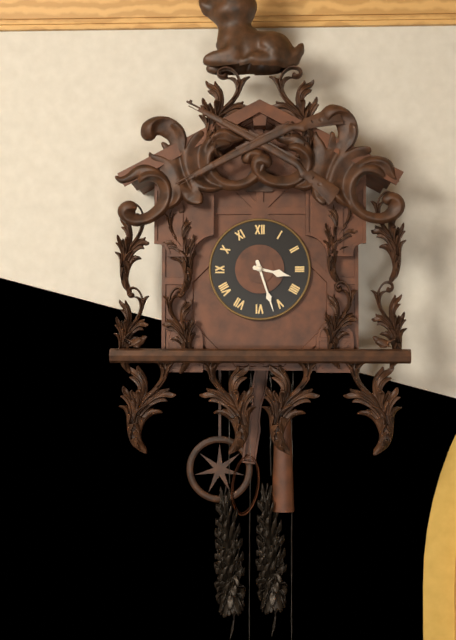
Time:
3.27
